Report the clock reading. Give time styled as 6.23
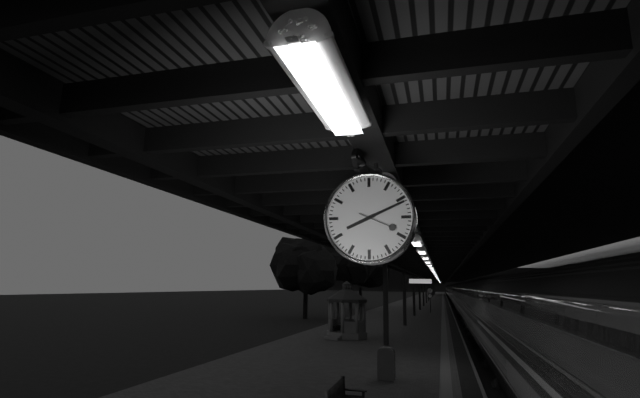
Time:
8.11
